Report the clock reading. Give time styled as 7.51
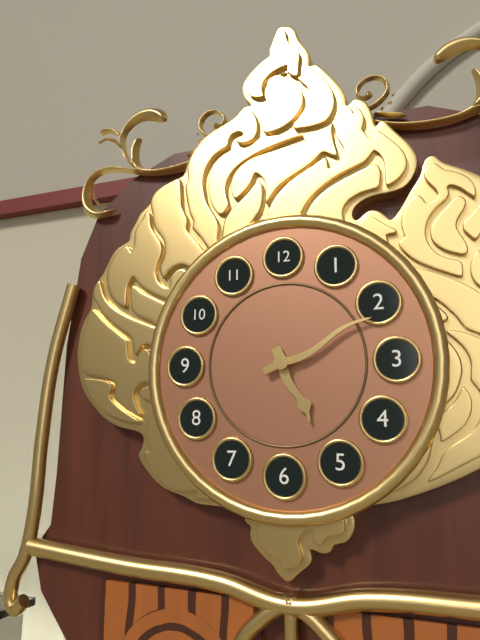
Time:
5.11
